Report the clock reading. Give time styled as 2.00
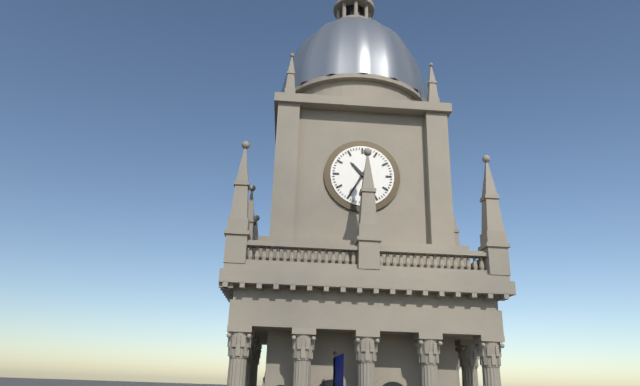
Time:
10.35
